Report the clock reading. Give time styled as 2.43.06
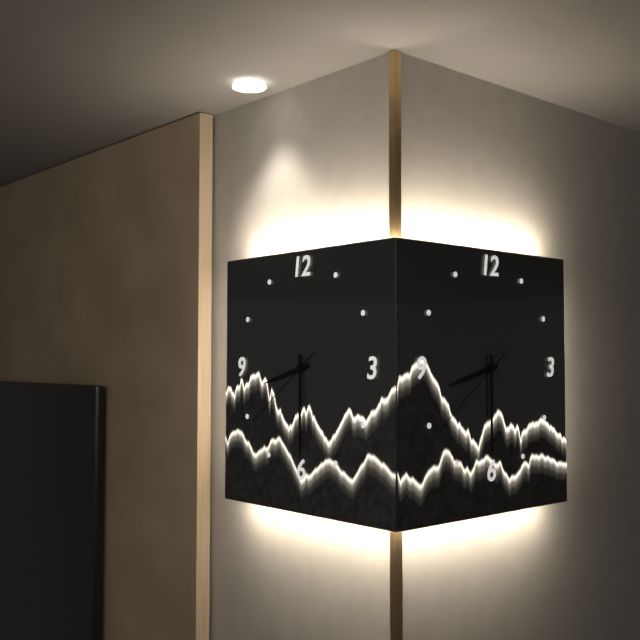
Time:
8.30.39
